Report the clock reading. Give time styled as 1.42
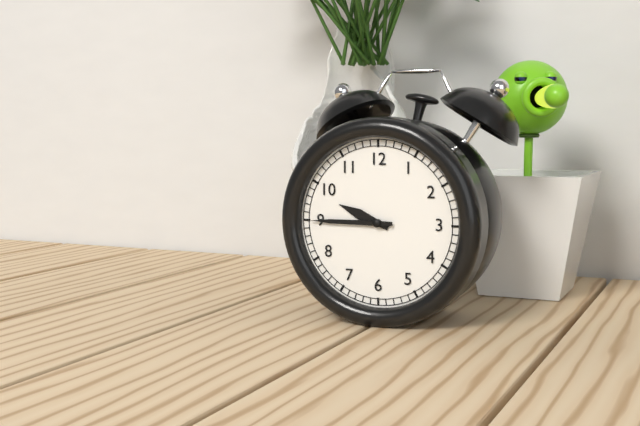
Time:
9.45
